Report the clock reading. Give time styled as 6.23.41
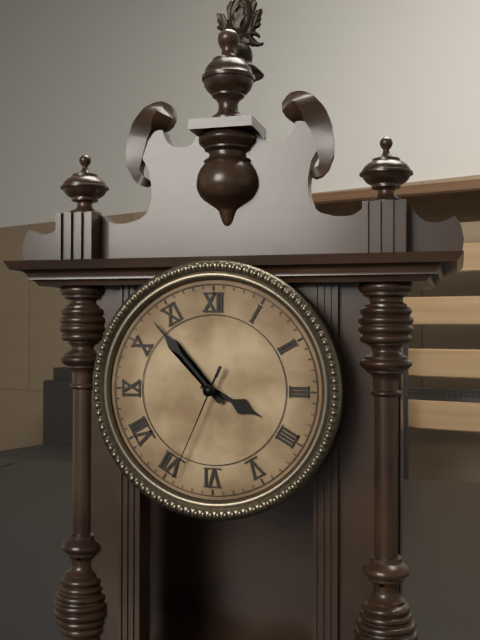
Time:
3.53.34
